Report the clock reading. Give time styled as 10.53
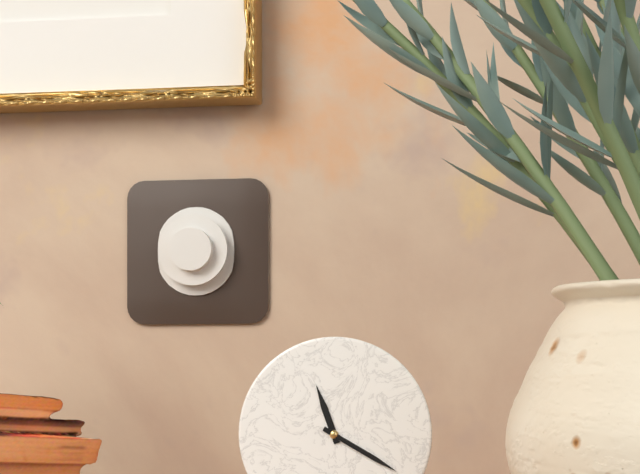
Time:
11.20
